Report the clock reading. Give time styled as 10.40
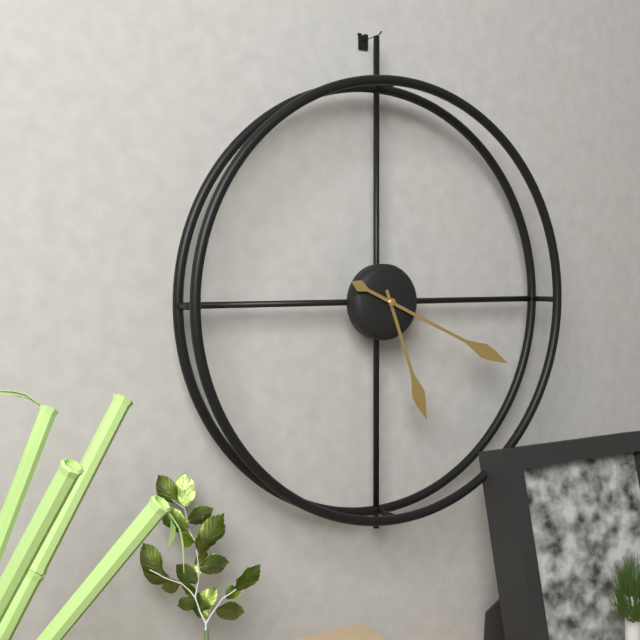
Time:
5.19
